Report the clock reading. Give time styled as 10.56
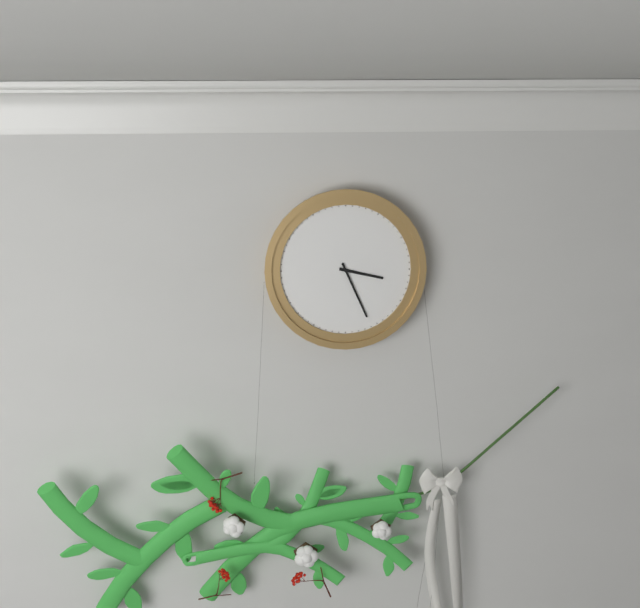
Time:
3.26
